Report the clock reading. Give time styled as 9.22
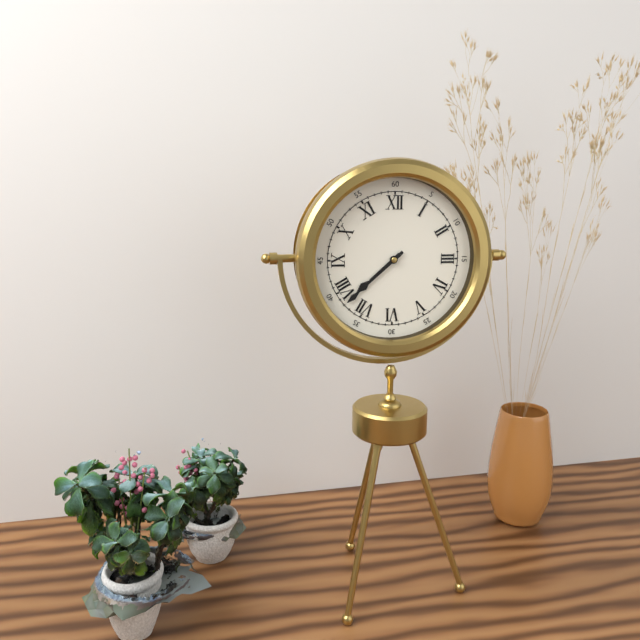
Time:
7.38
